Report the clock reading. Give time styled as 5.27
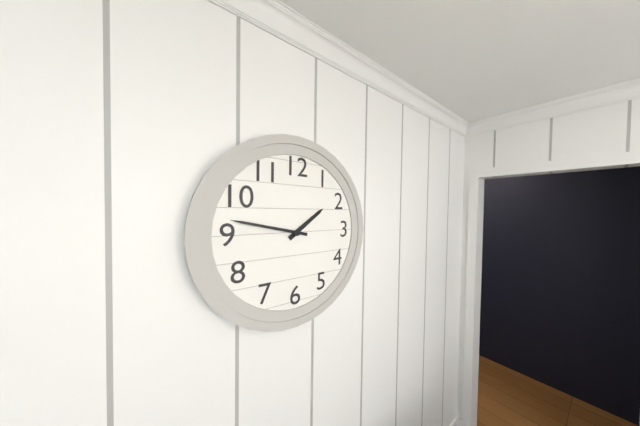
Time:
1.47
